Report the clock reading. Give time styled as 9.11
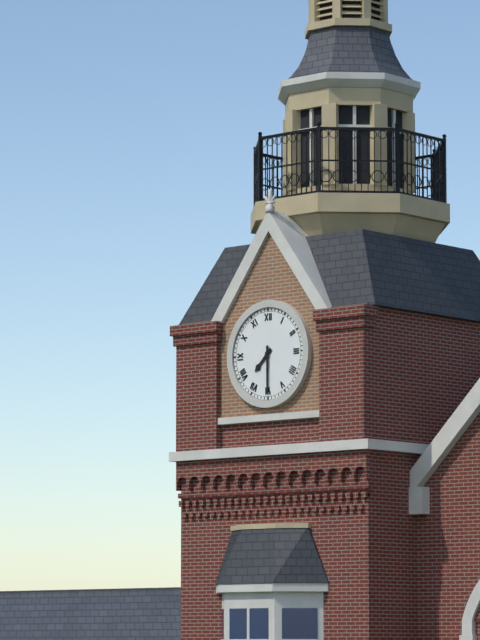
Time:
7.30
